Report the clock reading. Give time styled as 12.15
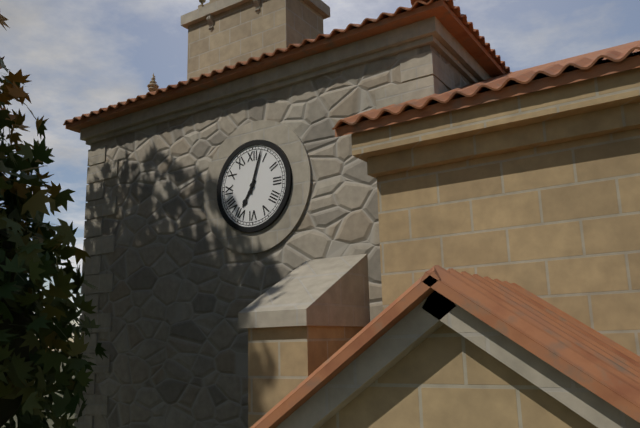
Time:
7.03
